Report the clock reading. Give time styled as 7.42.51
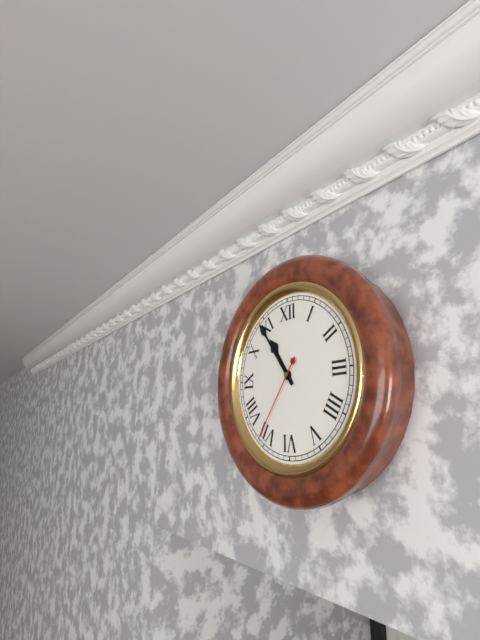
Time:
10.54.36
